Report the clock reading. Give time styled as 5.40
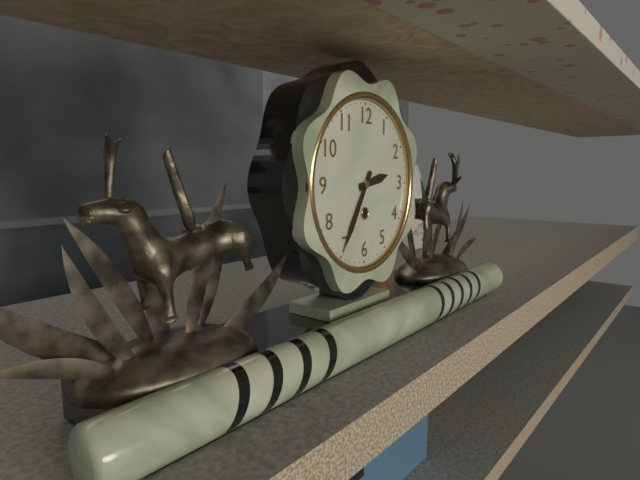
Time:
2.35
